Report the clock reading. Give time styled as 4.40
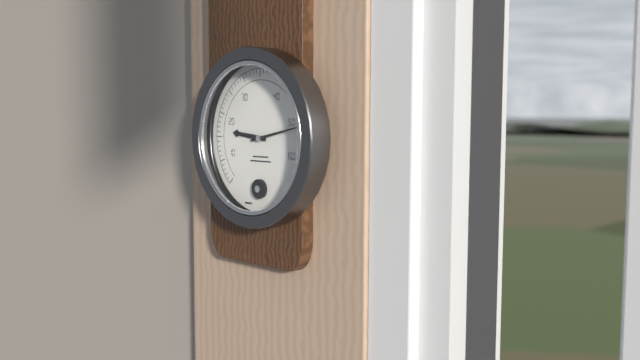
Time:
9.13
